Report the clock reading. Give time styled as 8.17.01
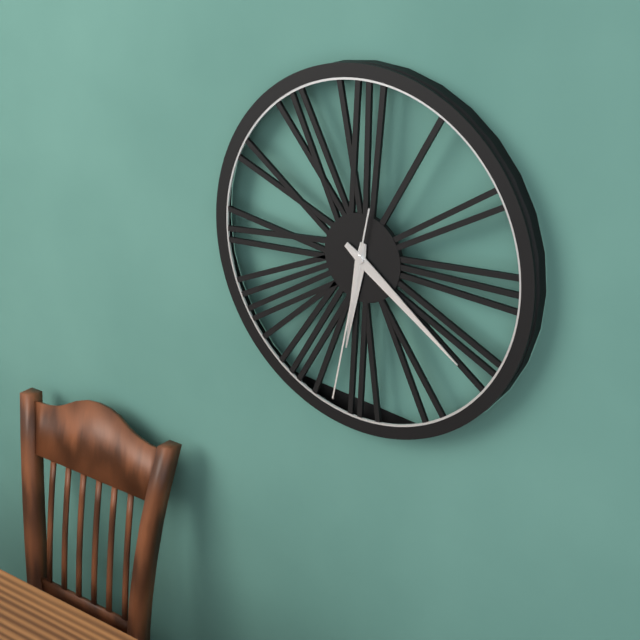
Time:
6.21.32
